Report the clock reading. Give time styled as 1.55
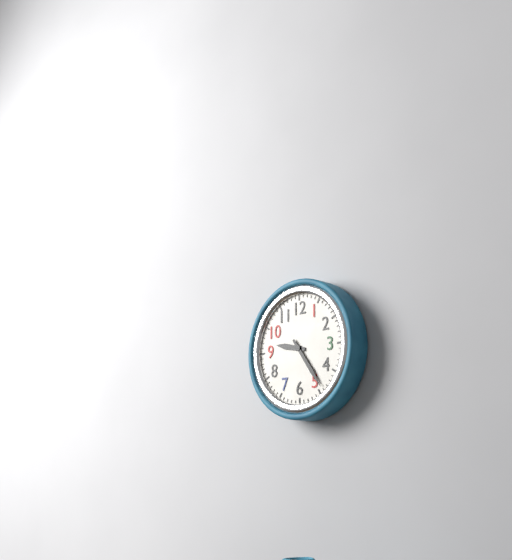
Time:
9.24
